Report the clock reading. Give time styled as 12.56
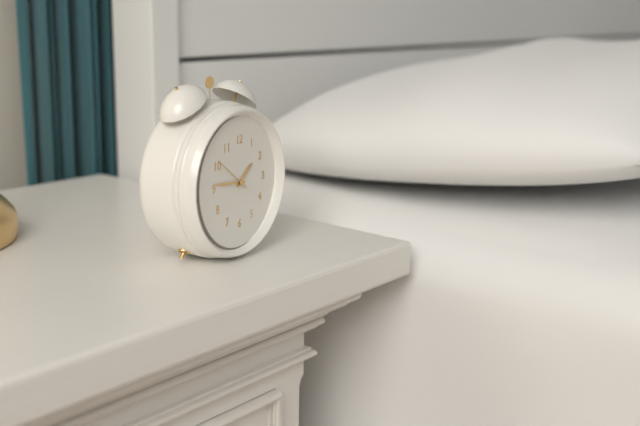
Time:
1.46
